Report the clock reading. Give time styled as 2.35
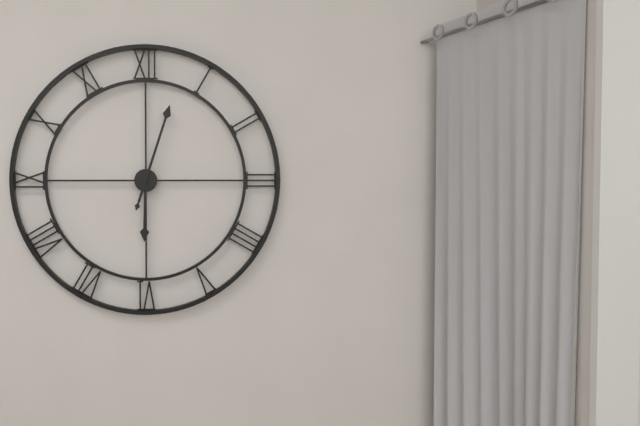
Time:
6.03
